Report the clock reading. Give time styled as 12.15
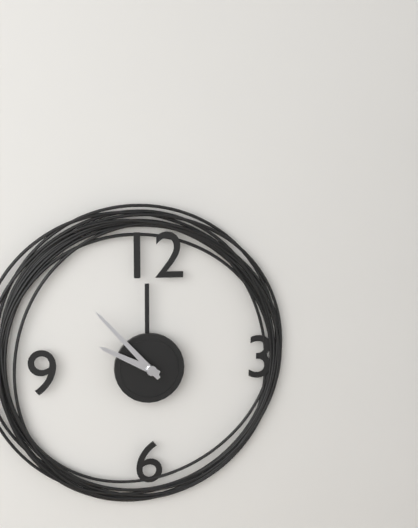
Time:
9.53
